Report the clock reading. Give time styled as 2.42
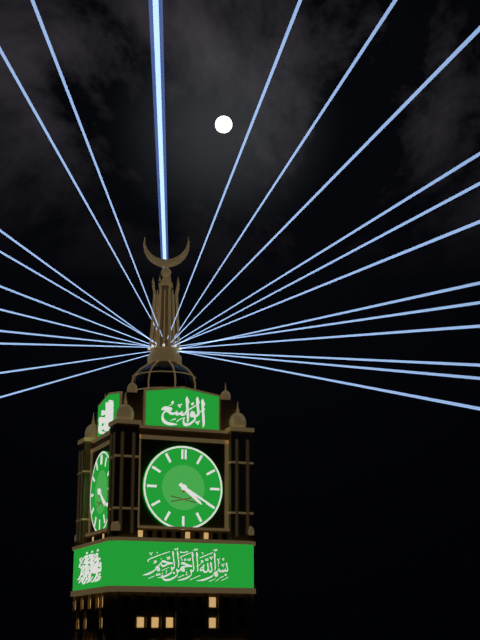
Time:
4.20
